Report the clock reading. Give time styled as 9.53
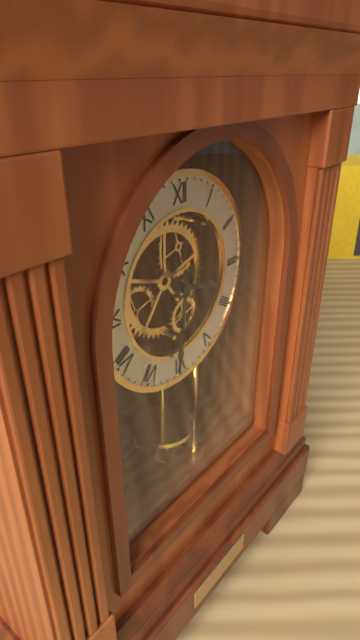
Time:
3.31
